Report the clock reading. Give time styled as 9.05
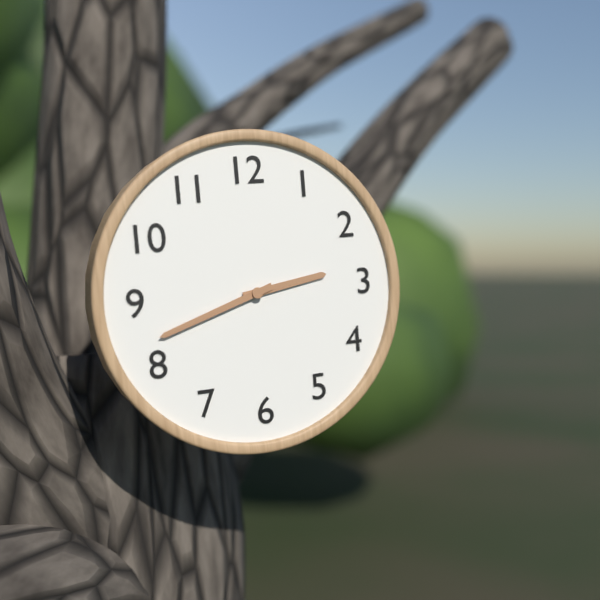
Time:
2.42
